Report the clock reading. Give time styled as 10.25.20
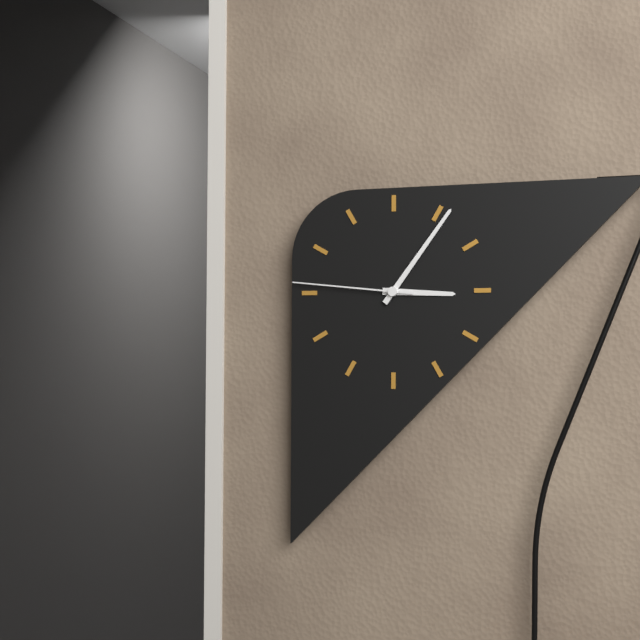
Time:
3.06.46
